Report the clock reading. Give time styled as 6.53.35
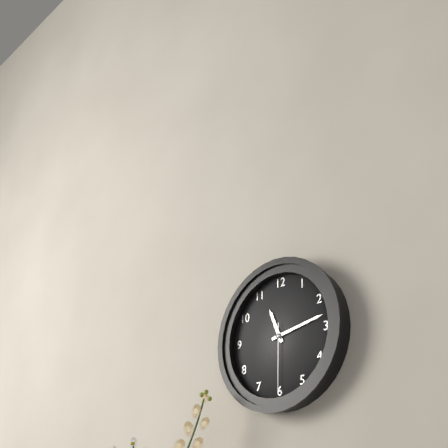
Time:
11.13.30
